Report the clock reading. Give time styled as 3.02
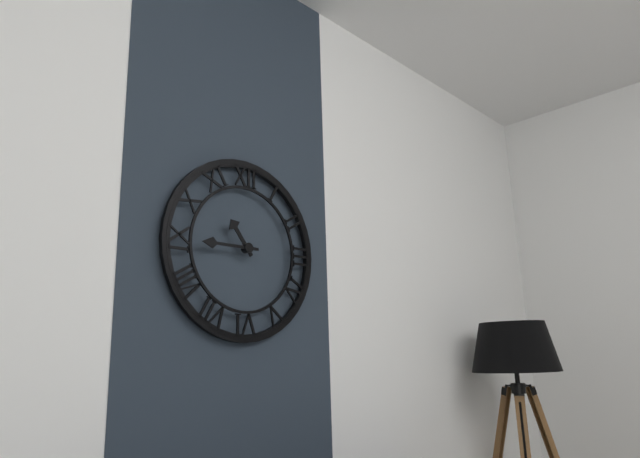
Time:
10.45
